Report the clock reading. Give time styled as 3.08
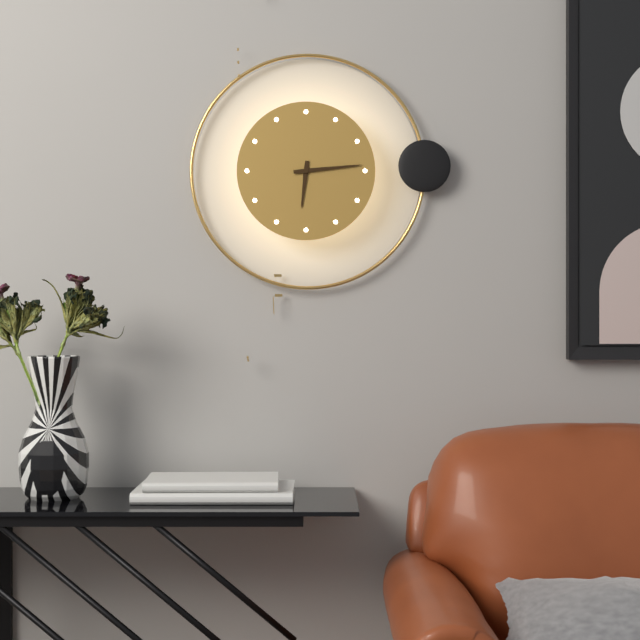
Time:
6.14
